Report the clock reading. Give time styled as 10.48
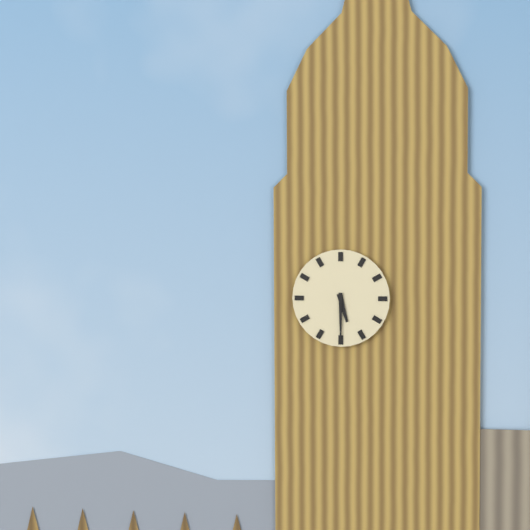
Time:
5.30
